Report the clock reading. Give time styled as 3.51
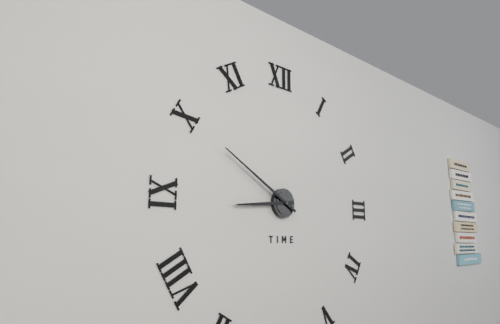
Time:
8.50
